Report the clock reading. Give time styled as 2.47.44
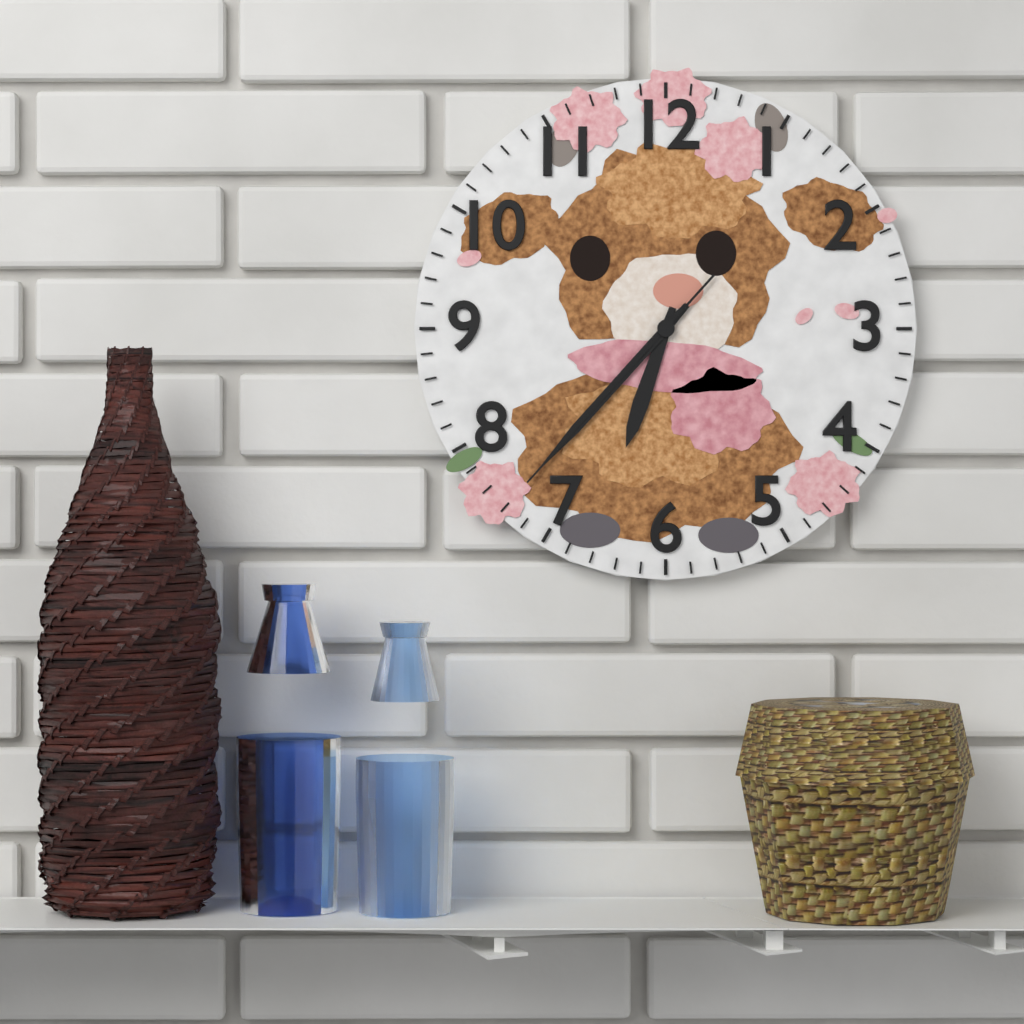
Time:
6.37.37
